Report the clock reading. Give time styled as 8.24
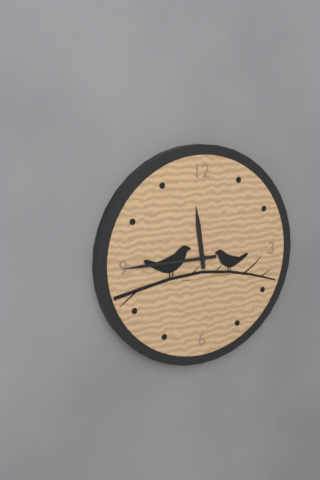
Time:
11.45
